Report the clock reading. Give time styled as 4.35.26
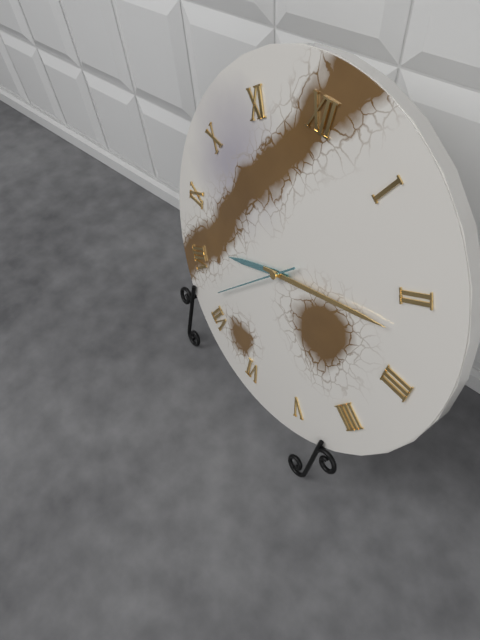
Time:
8.12.37
